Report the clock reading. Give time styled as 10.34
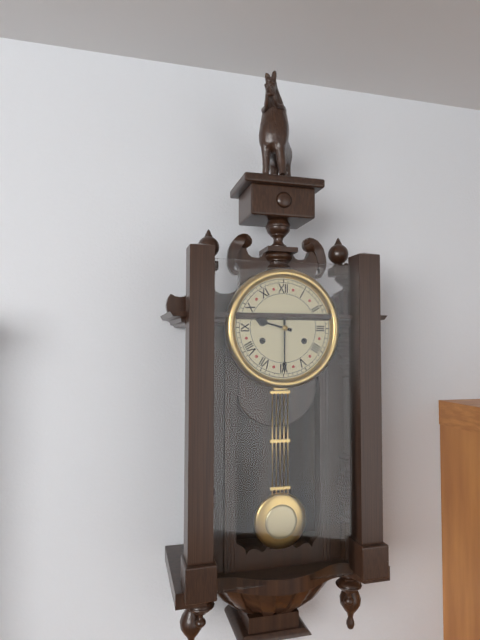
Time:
9.30
